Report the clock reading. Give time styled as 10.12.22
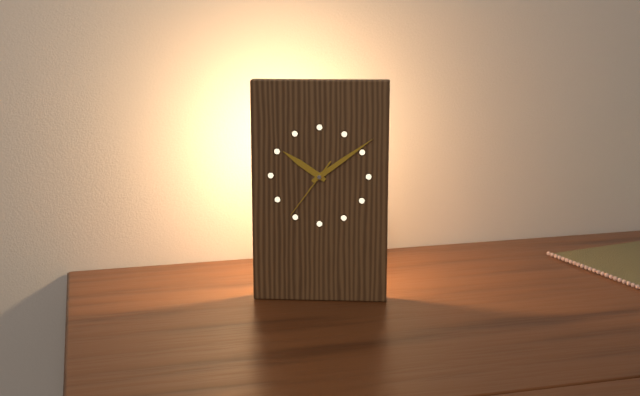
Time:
10.09.36
